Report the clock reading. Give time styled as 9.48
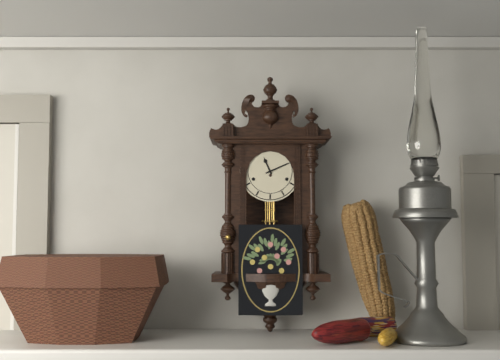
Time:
11.11
